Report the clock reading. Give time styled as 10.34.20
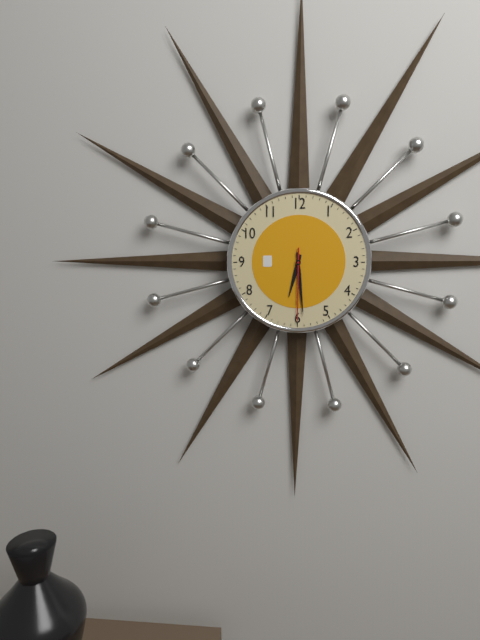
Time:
6.29.30
